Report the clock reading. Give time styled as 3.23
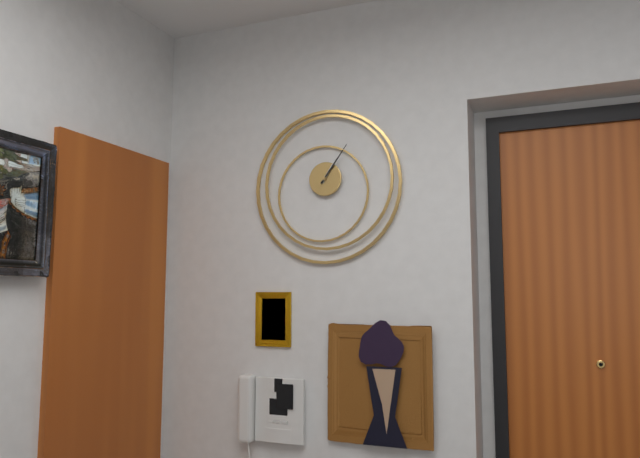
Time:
1.06
